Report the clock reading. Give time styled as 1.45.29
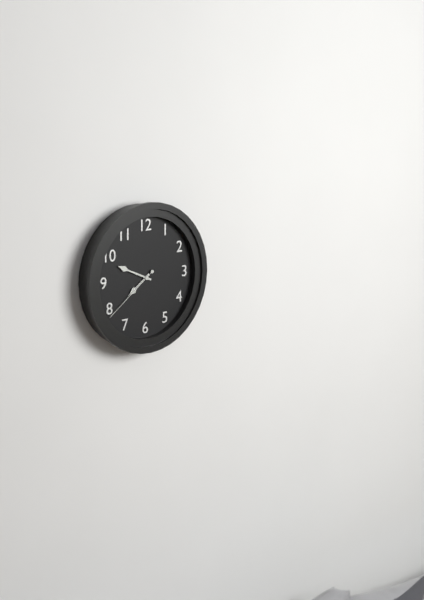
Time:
7.49.39
